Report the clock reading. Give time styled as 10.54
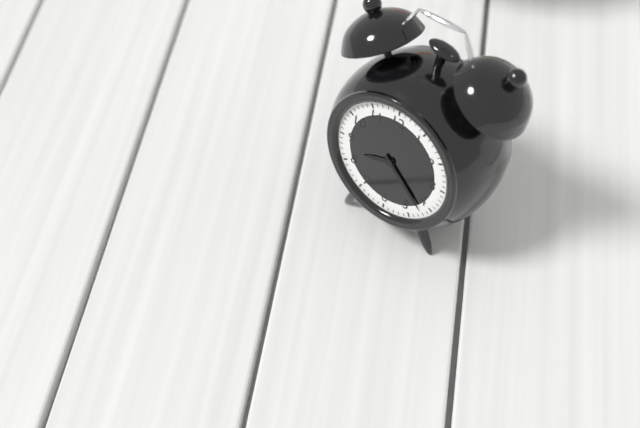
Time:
8.22
